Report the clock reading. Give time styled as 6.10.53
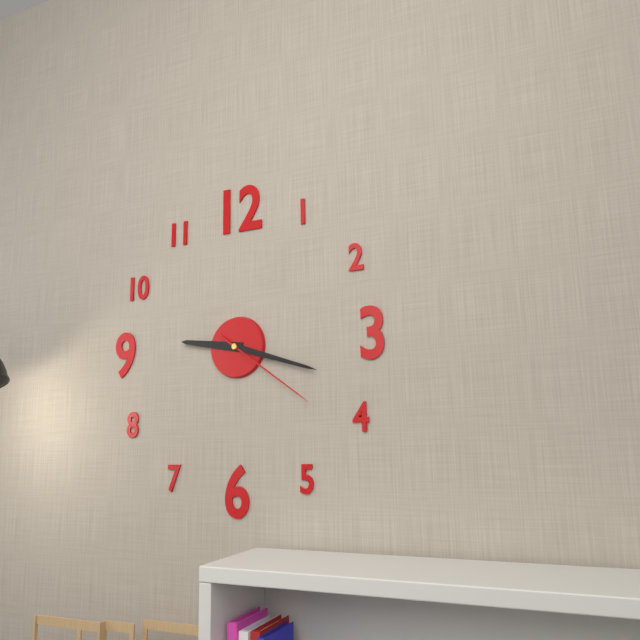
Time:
9.18.21
